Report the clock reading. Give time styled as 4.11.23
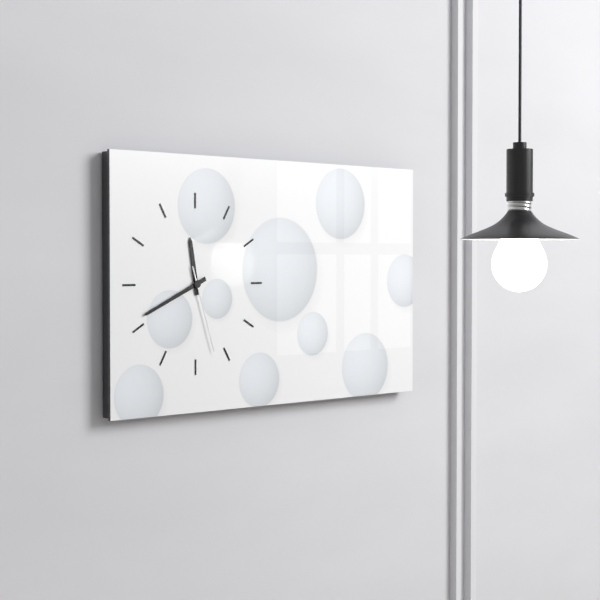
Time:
11.41.27
